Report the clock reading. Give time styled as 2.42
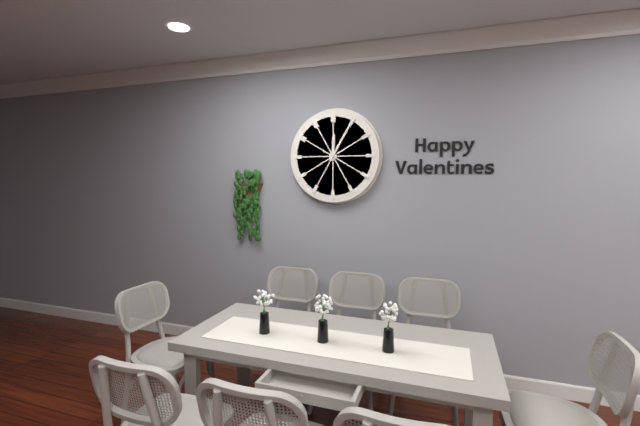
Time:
12.05
